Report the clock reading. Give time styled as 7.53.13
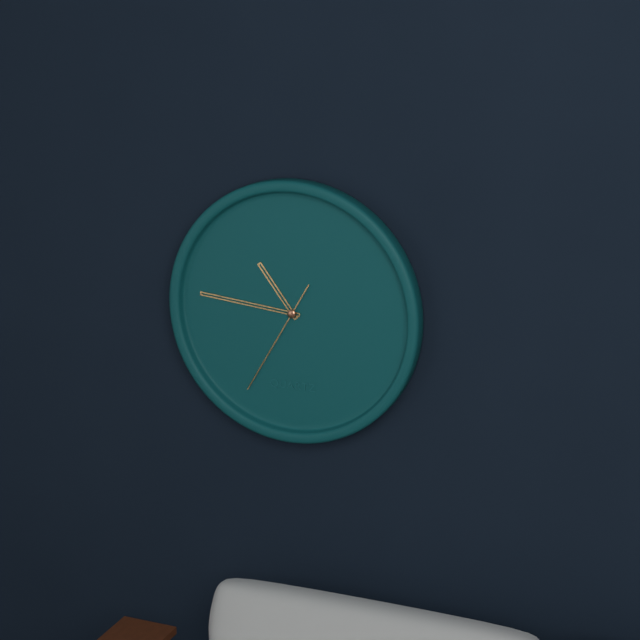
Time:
10.46.35
